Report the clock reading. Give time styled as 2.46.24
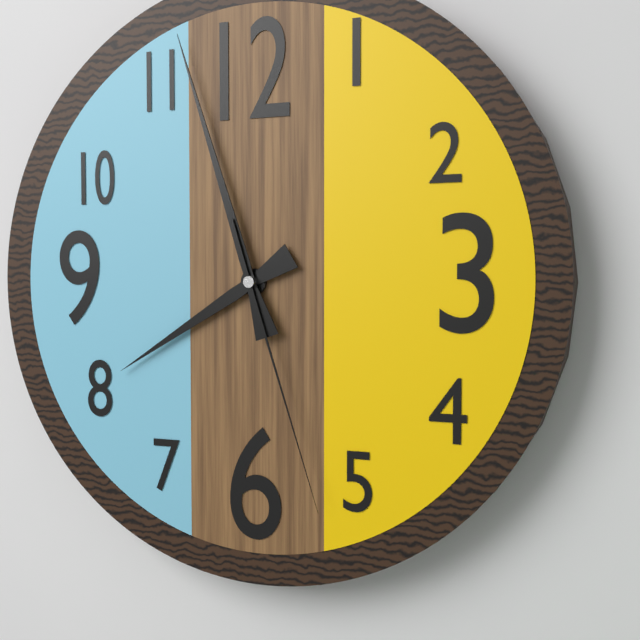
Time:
7.57.27
